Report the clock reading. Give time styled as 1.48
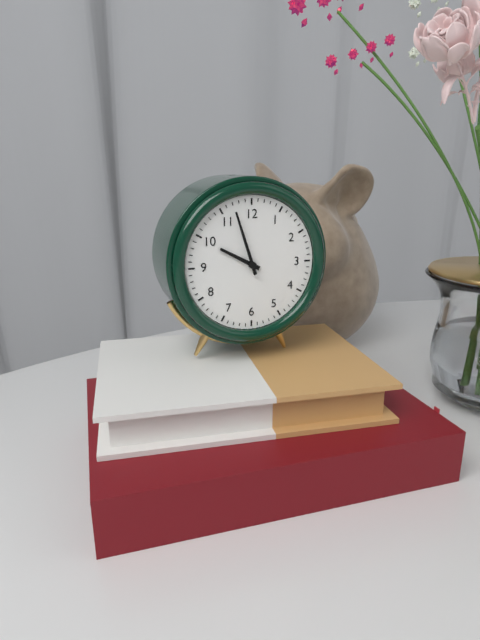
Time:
9.57
